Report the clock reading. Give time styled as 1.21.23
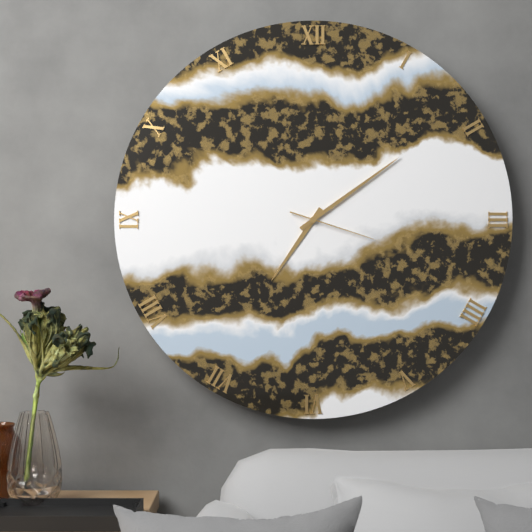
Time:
7.09.18
